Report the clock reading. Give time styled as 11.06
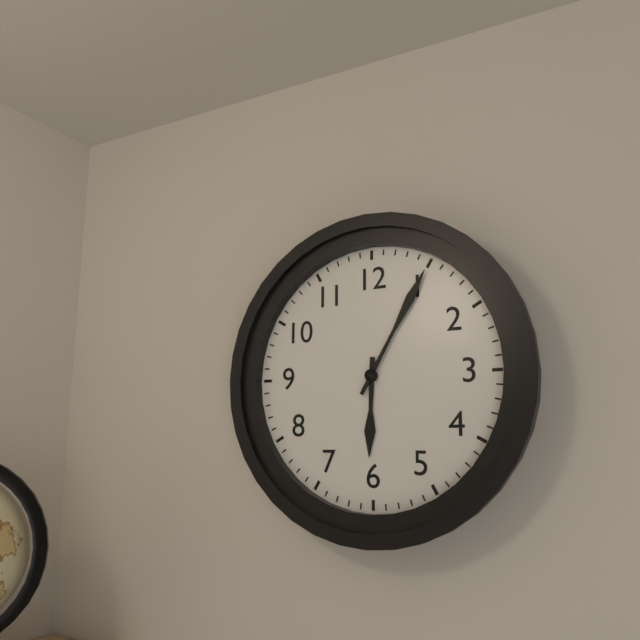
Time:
6.05
